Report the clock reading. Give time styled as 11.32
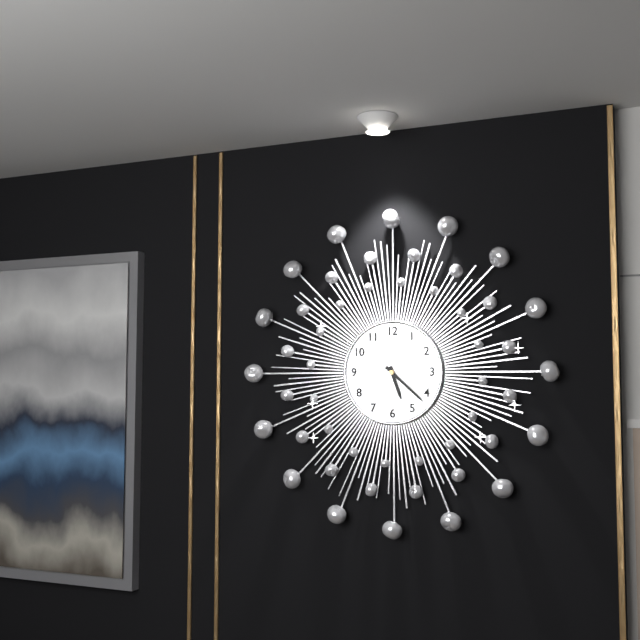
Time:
5.22
